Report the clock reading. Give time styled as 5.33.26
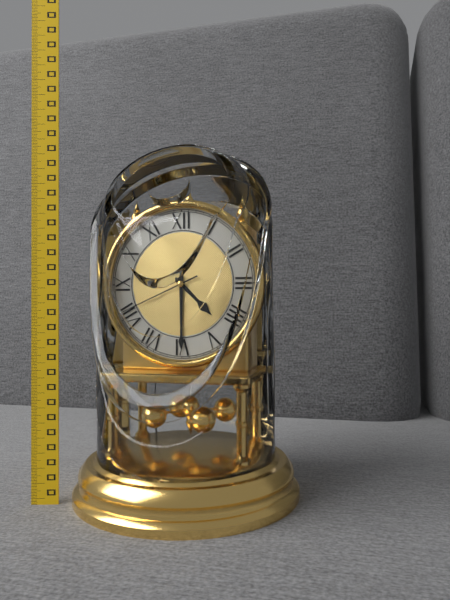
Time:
4.30.41
